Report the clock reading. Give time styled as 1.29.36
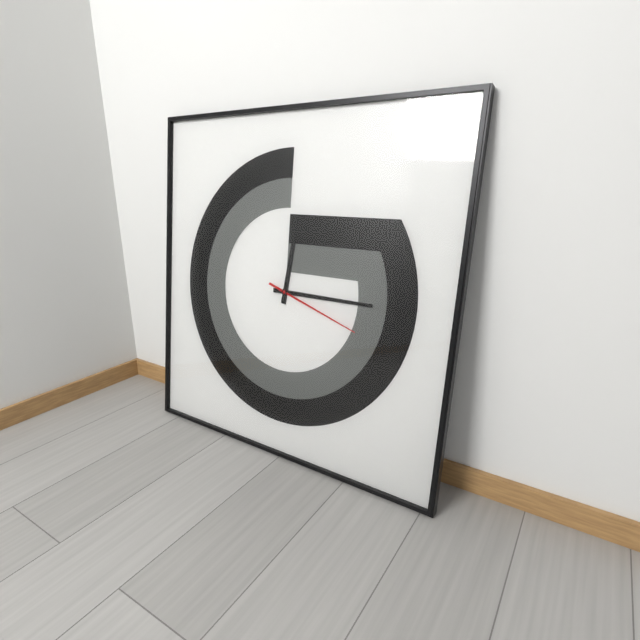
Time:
12.15.18
